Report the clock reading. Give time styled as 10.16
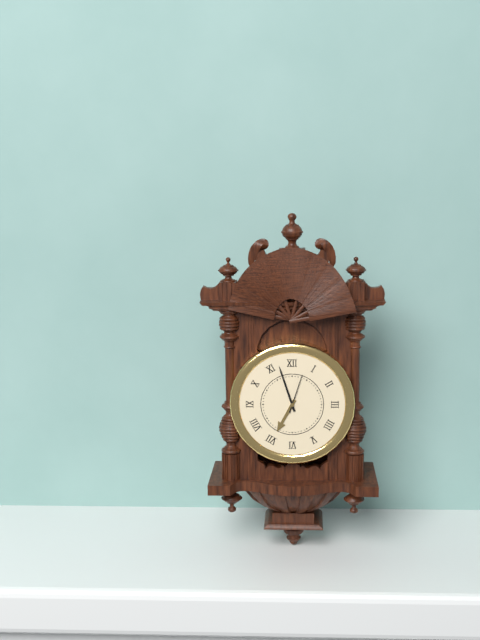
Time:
6.57
